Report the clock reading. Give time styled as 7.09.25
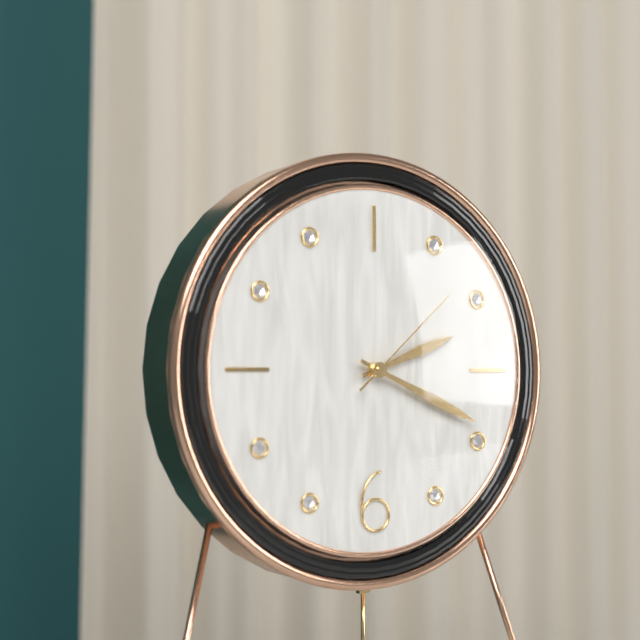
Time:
2.19.08
